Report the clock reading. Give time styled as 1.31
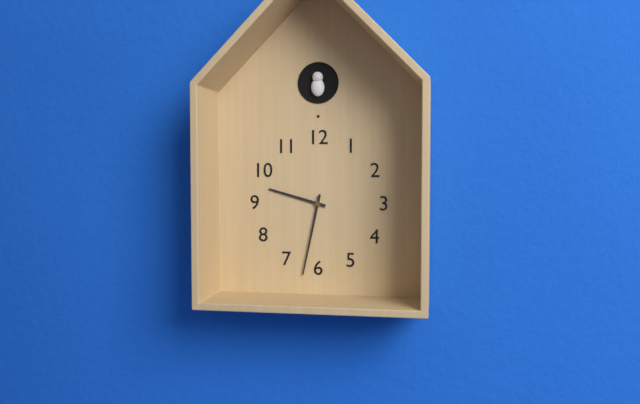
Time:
9.32
